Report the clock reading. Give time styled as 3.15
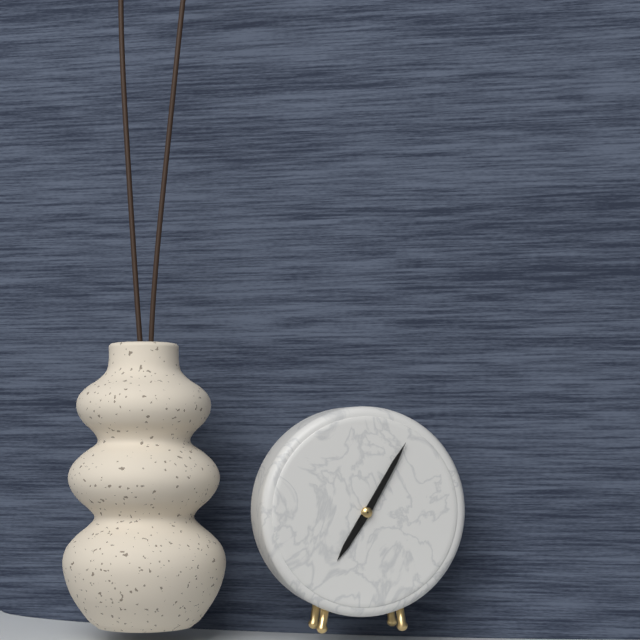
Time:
7.05
